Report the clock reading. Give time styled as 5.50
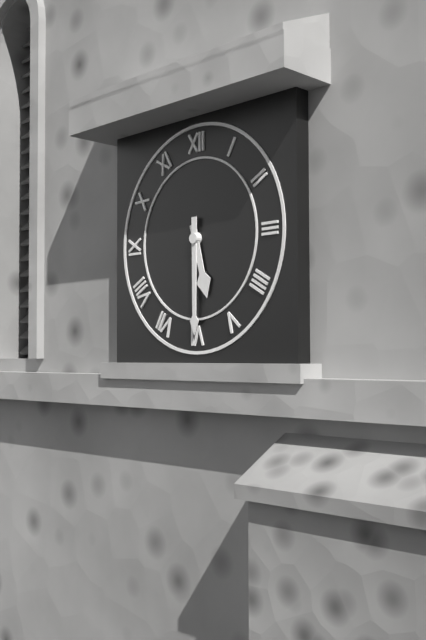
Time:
5.30
